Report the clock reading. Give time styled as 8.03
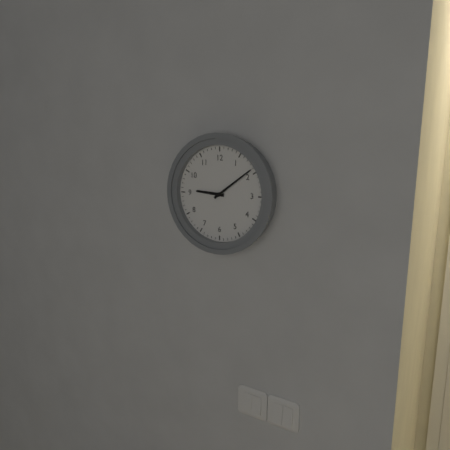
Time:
9.09
